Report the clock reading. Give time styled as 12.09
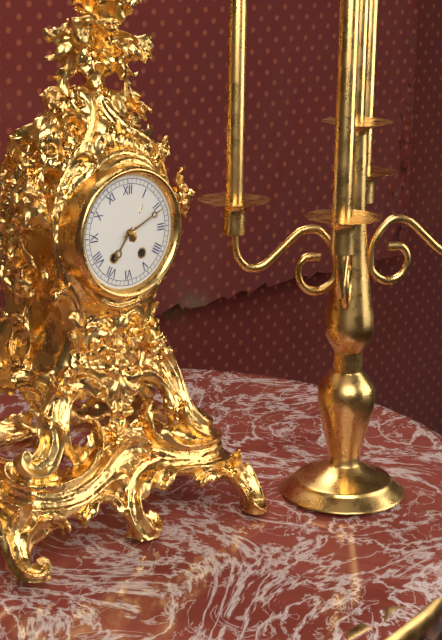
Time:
7.11
